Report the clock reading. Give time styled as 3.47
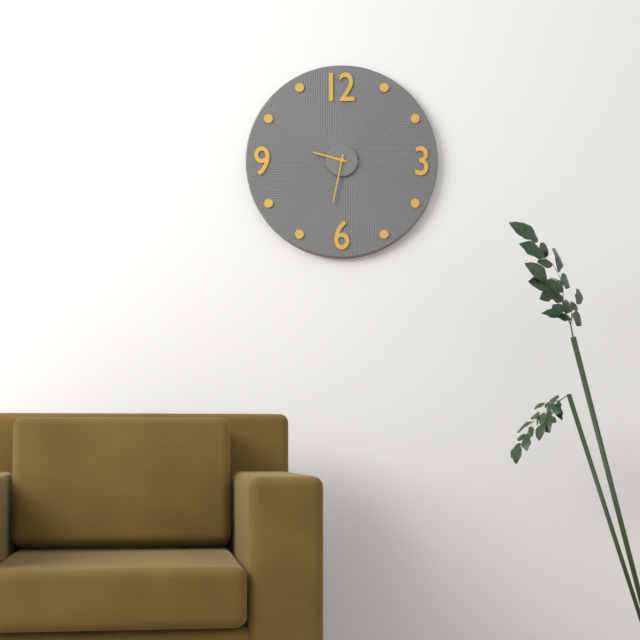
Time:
9.32
